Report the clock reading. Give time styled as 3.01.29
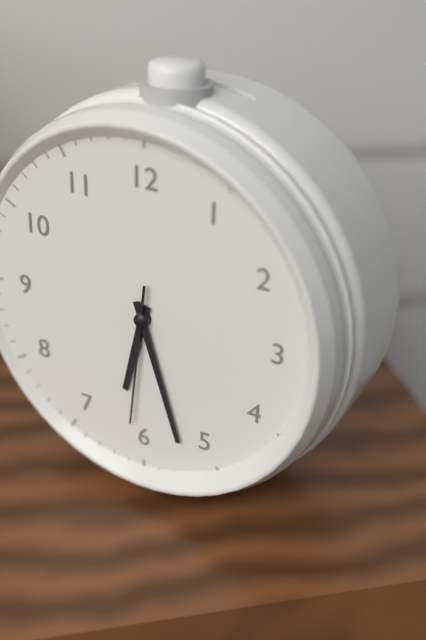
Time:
6.27.31
